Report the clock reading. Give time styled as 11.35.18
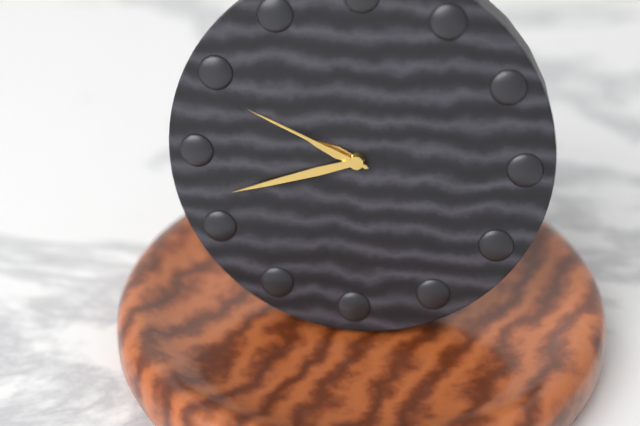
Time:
9.42.49
